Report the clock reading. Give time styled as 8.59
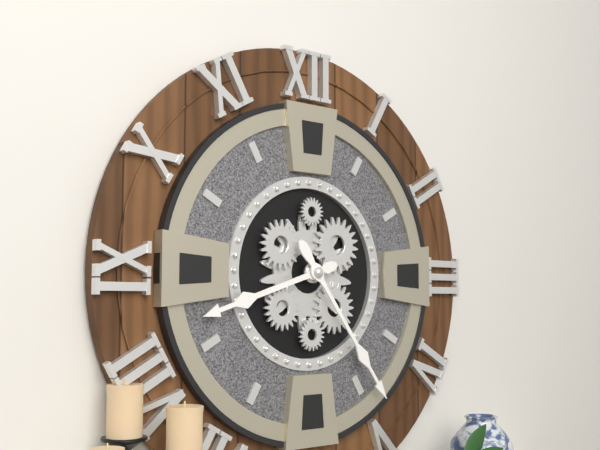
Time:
8.24
